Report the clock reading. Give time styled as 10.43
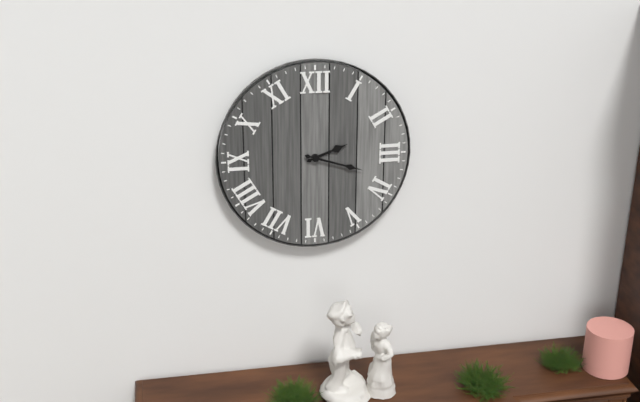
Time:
2.18
